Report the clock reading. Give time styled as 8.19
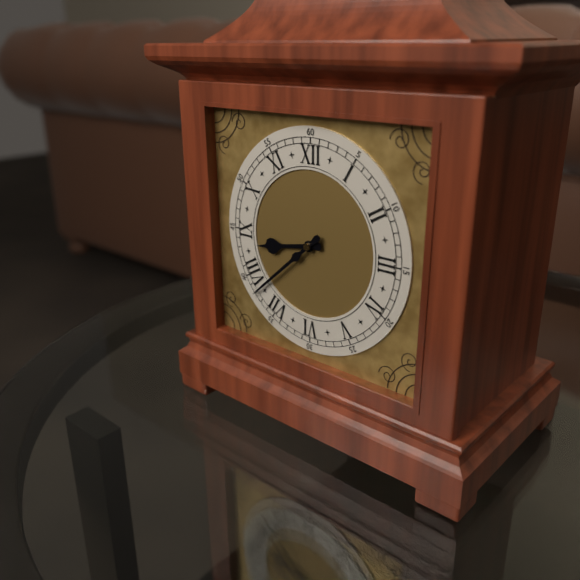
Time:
8.38
